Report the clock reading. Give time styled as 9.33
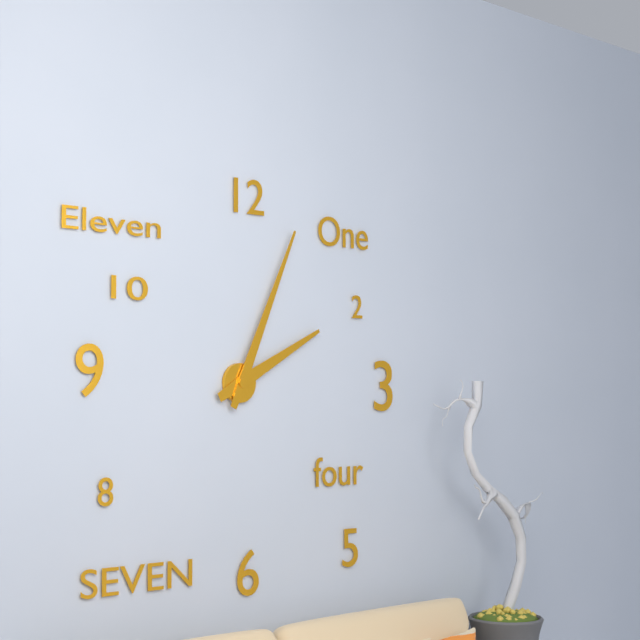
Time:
2.04
